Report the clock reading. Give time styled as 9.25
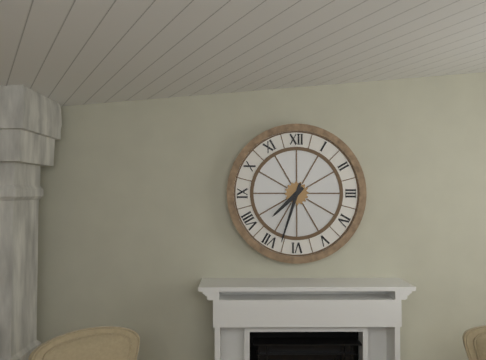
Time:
7.33
